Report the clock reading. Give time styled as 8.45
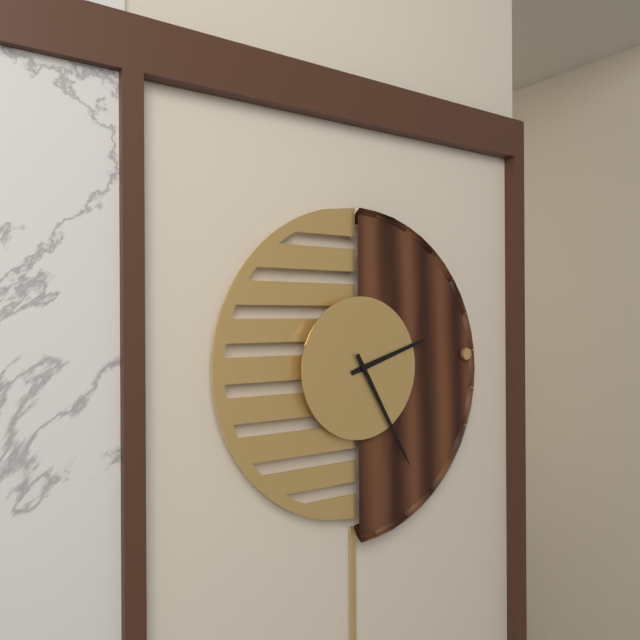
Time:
2.25
